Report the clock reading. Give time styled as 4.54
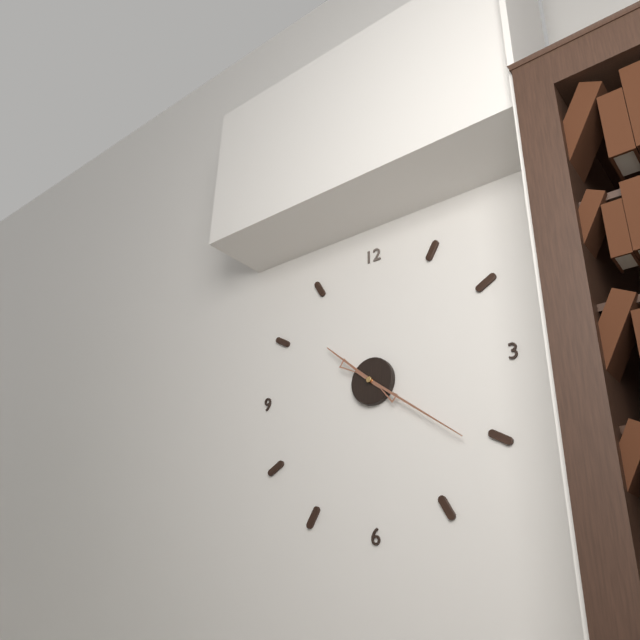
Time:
10.21
